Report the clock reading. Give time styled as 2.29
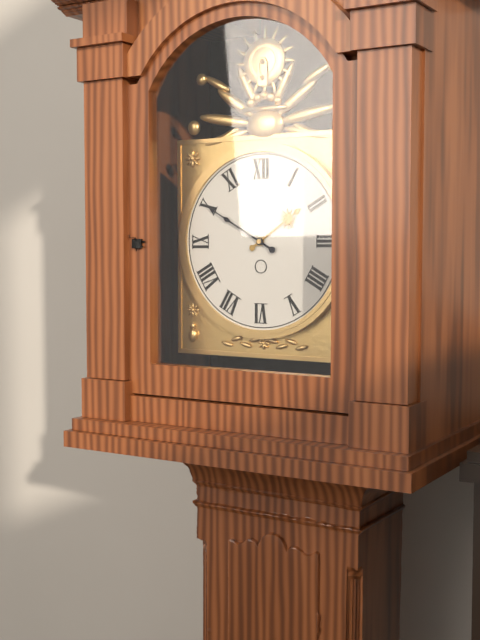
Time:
1.50
